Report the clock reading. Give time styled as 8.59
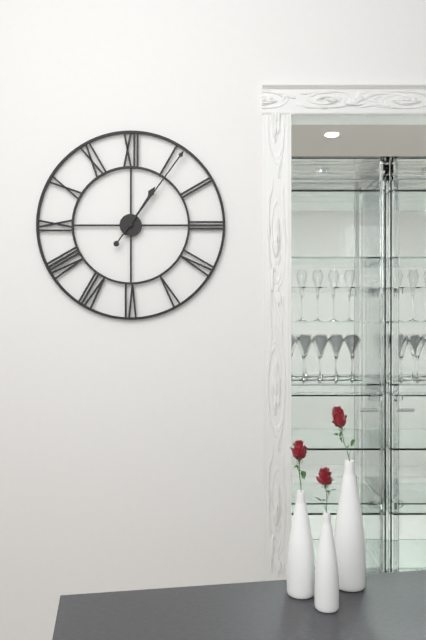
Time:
1.06
